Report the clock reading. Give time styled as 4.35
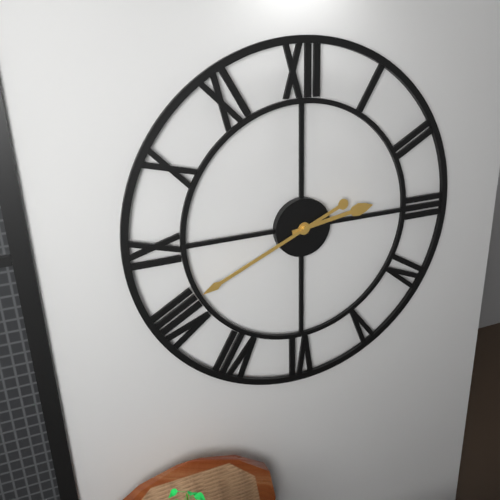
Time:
2.41
